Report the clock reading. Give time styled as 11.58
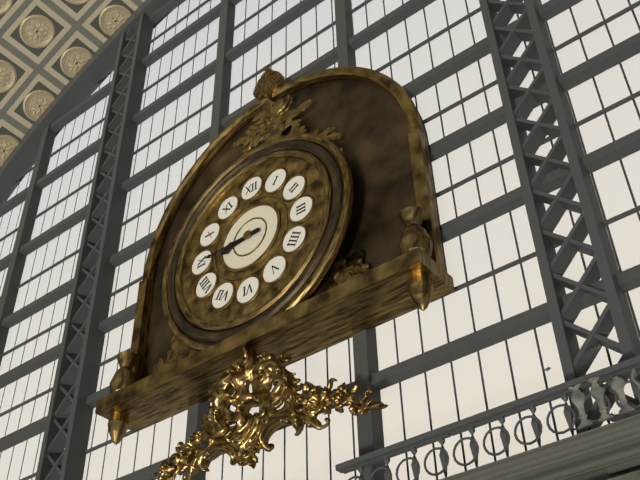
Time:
8.45
